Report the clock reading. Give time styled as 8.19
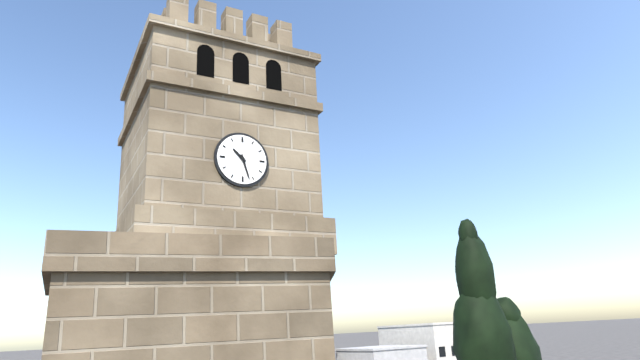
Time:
10.27
